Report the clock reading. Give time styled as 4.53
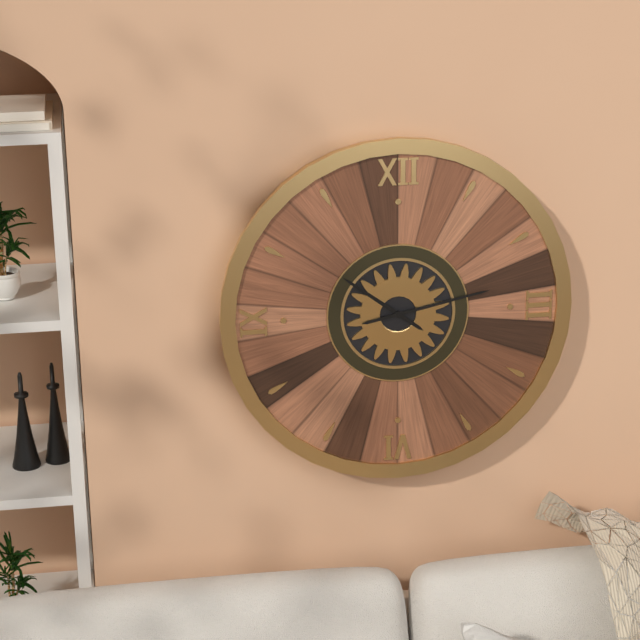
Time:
10.13
